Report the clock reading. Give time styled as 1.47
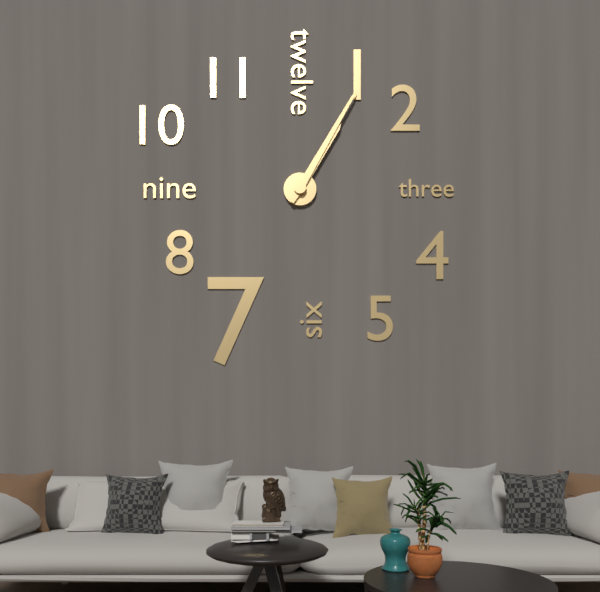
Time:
1.05
